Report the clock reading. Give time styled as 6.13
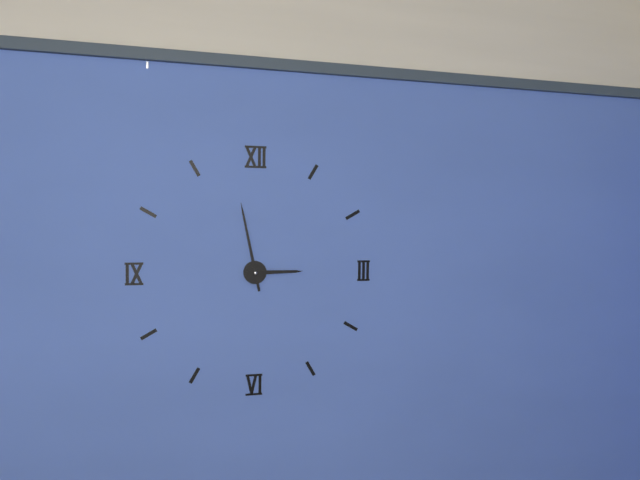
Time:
2.58
